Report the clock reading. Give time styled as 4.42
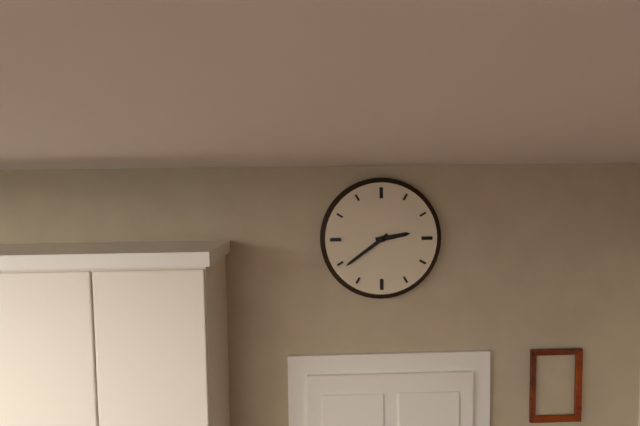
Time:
2.39
